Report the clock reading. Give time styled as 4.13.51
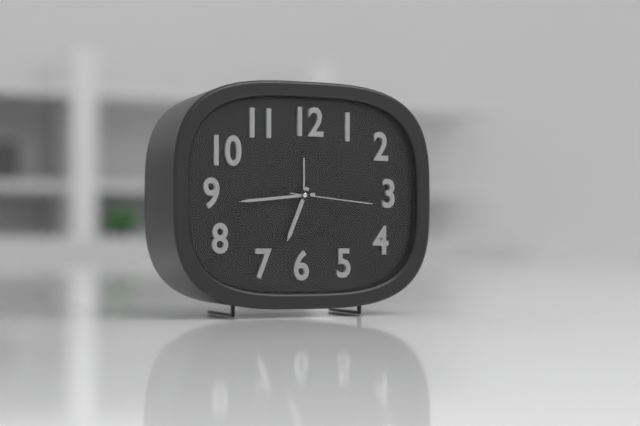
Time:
6.44.16
